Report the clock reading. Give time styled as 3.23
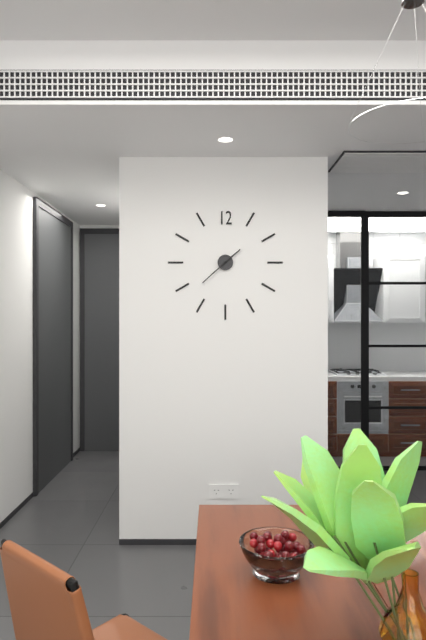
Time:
1.38
